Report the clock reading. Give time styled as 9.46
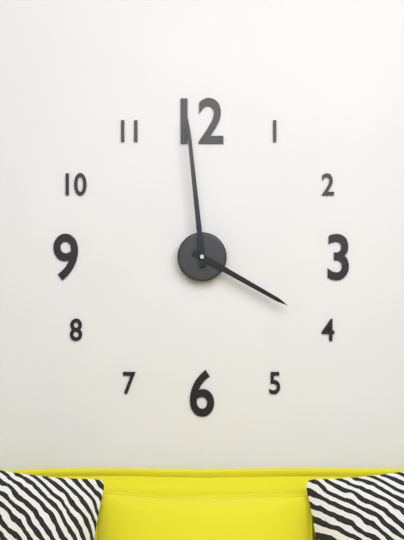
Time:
3.59
